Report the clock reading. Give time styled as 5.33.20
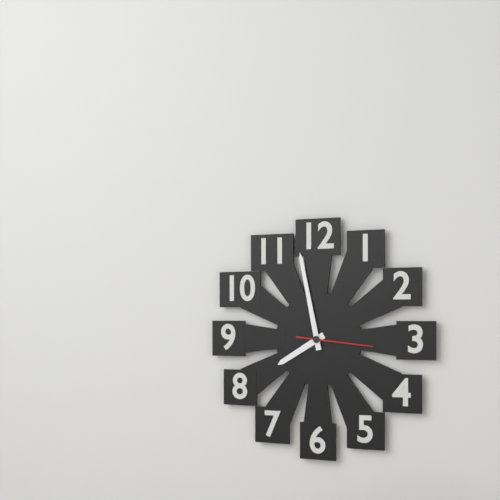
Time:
7.58.16
